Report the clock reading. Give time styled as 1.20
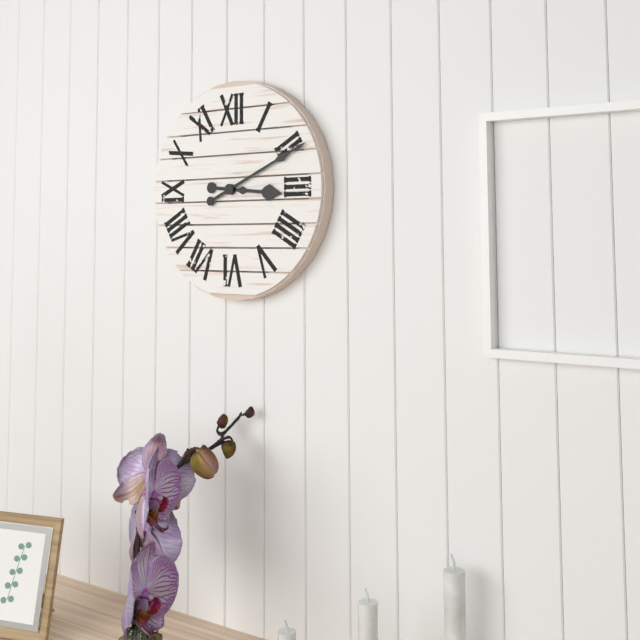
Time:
3.11
